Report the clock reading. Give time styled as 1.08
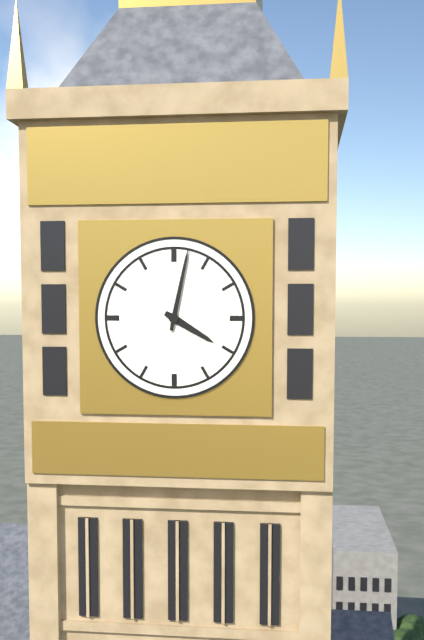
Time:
4.02
